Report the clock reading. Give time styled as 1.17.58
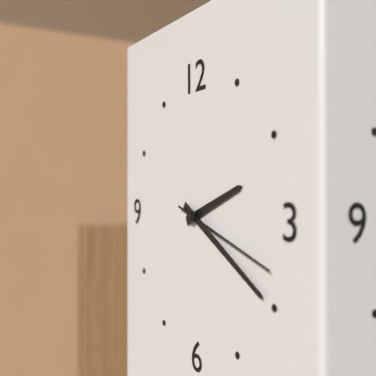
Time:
2.20.18
